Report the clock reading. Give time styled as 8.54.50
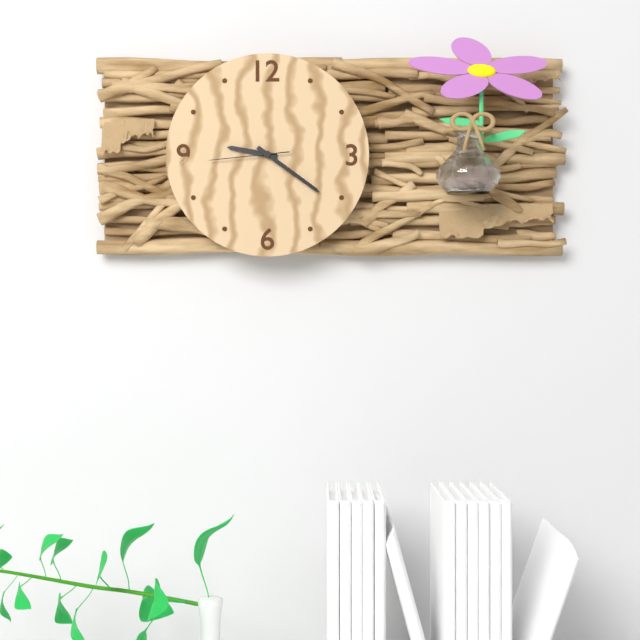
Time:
9.21.44
